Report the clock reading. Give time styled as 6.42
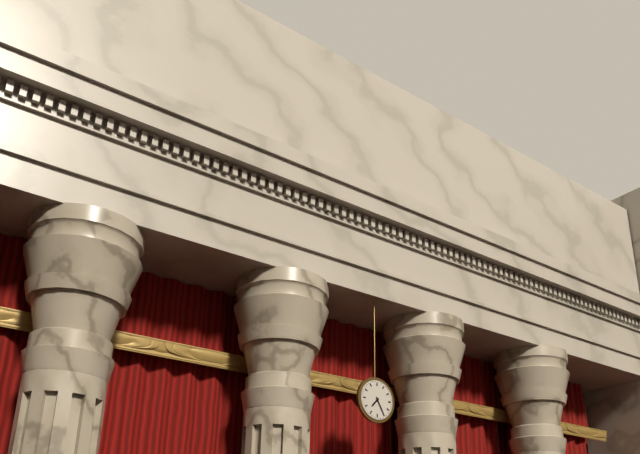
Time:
7.25
